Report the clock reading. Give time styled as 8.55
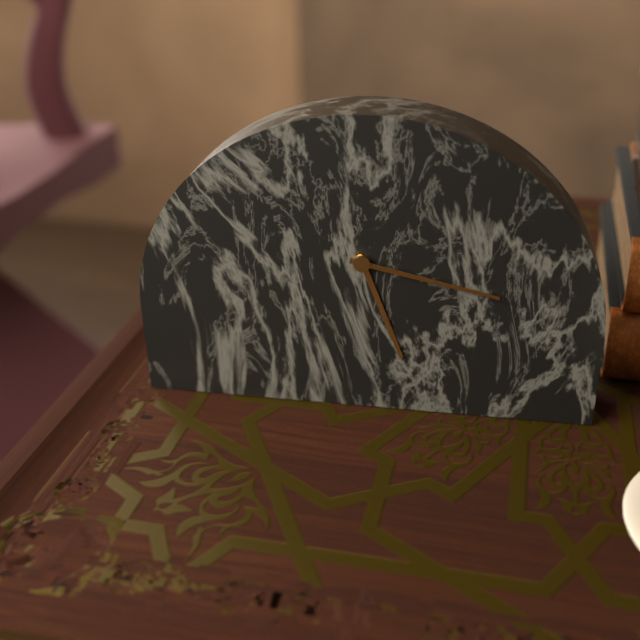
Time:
5.17
